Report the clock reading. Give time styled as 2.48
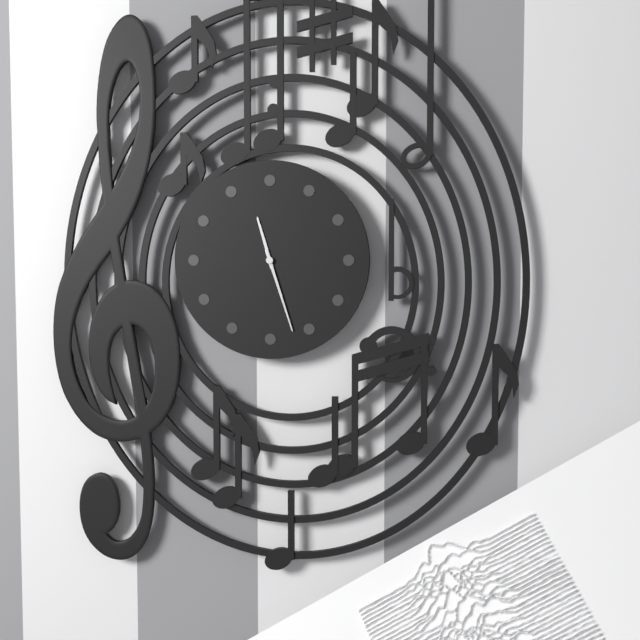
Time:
11.27
